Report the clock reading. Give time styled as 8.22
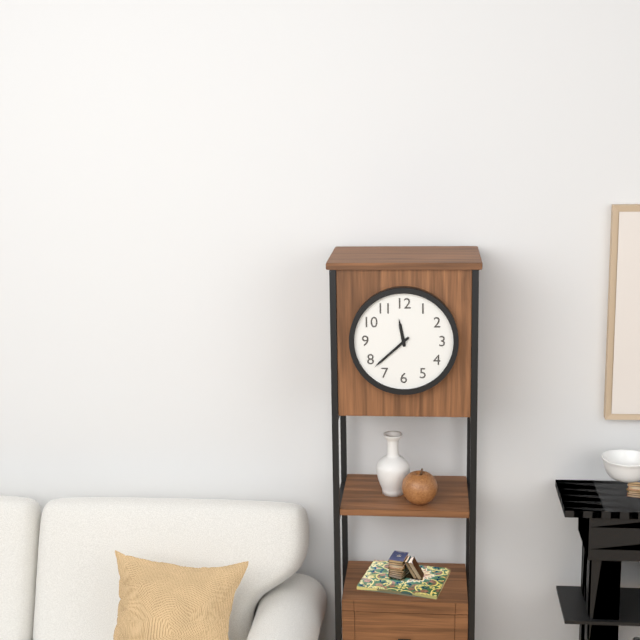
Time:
11.38
